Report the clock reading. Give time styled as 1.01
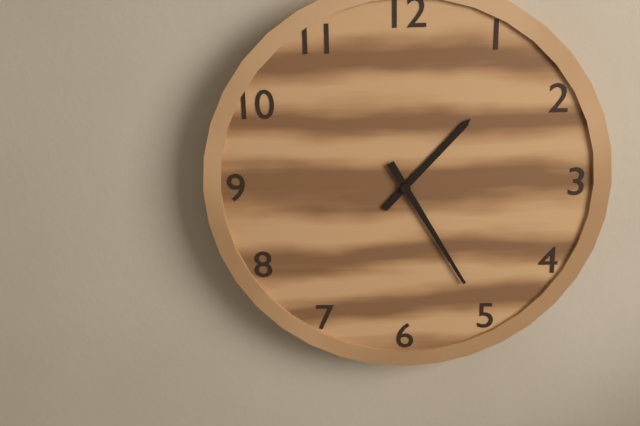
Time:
1.25
